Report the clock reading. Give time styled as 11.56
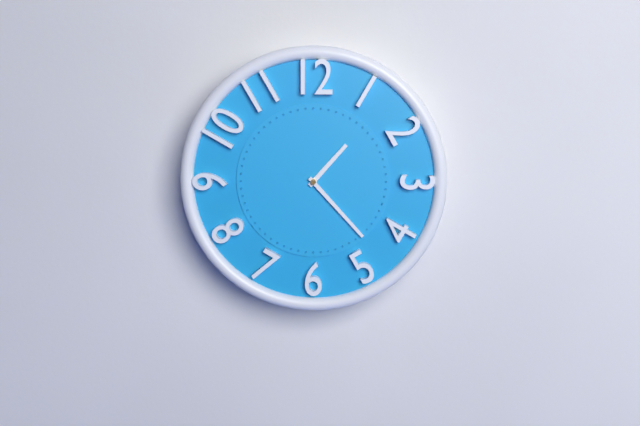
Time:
1.23
